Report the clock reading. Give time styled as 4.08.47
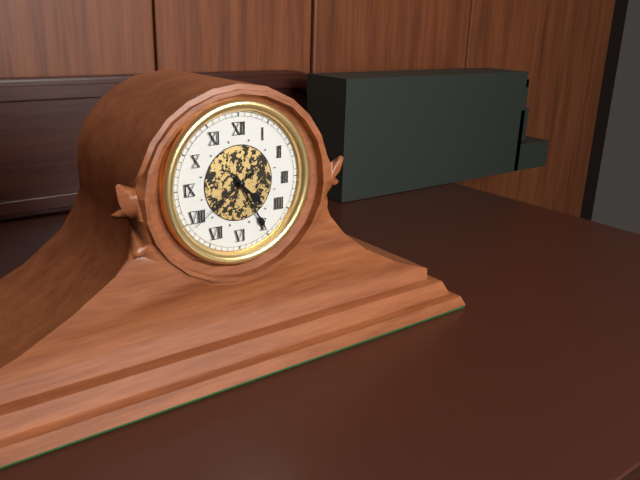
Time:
4.25.39
